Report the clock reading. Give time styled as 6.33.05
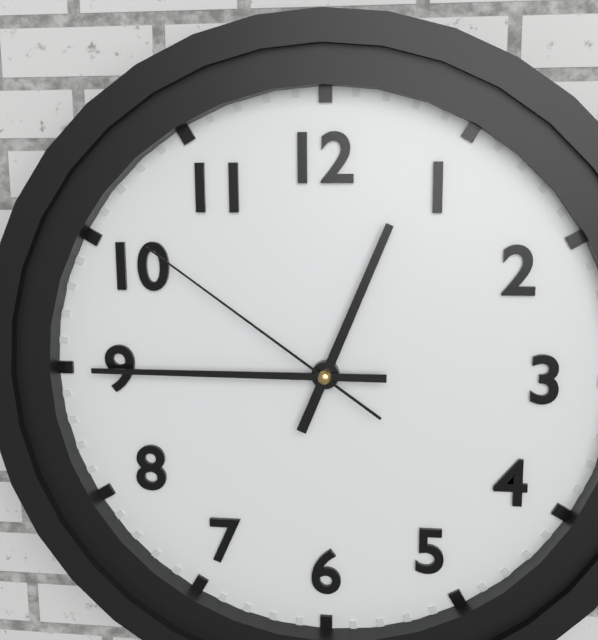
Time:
12.45.51
